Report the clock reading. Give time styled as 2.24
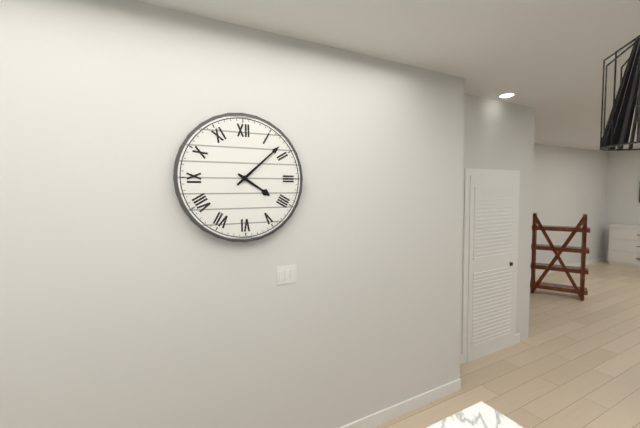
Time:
4.08
